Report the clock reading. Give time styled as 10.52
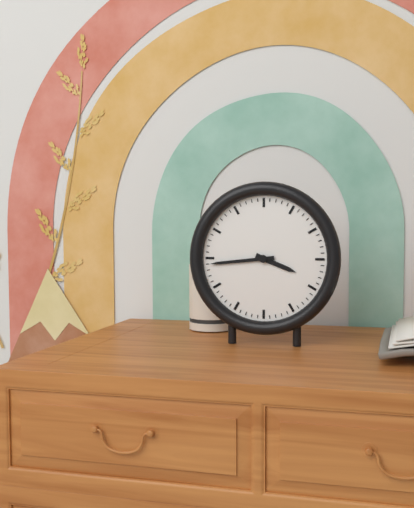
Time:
3.44
